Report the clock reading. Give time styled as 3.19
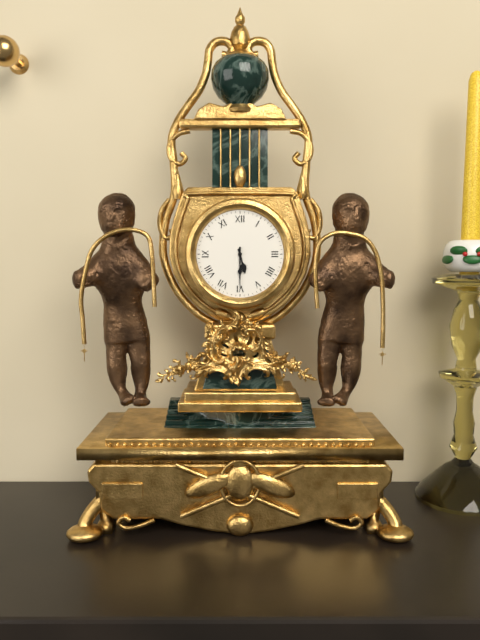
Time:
5.30
